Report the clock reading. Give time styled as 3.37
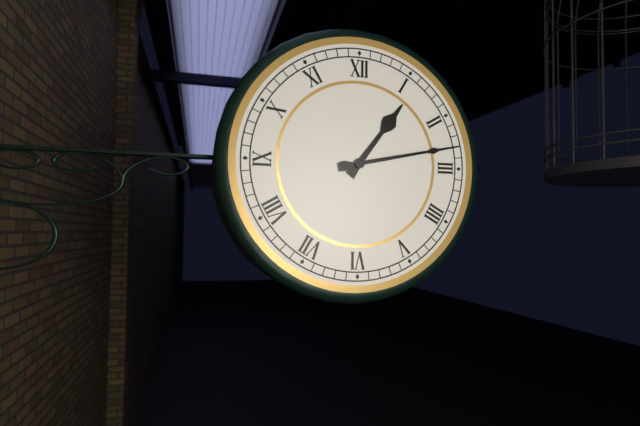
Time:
1.13
